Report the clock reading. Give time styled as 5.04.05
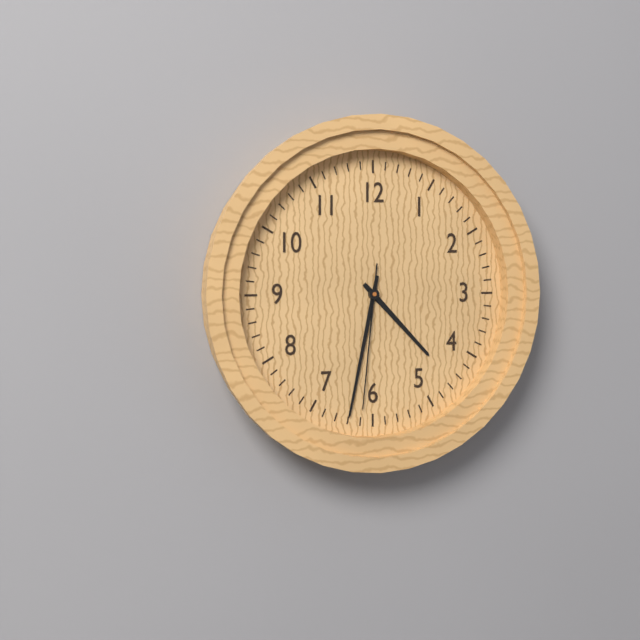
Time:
4.32.31
